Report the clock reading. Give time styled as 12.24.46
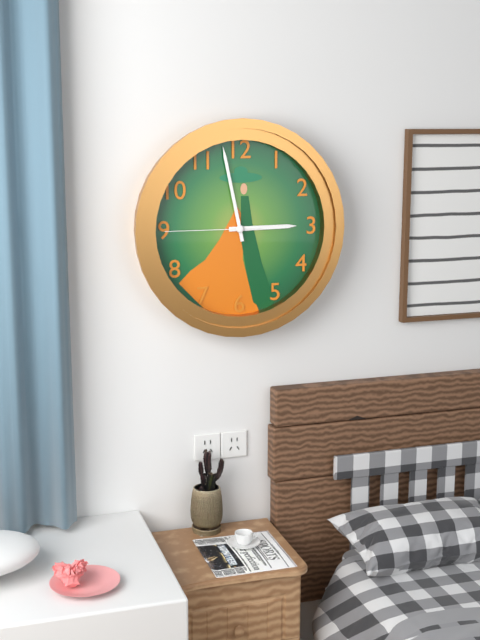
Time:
2.58.45
